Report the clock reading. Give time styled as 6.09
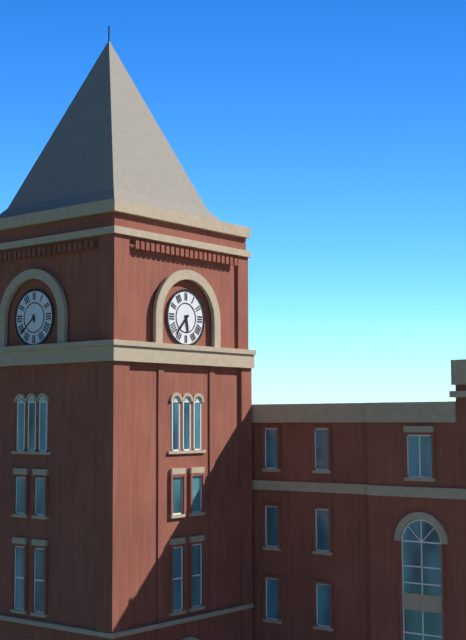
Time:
5.37
